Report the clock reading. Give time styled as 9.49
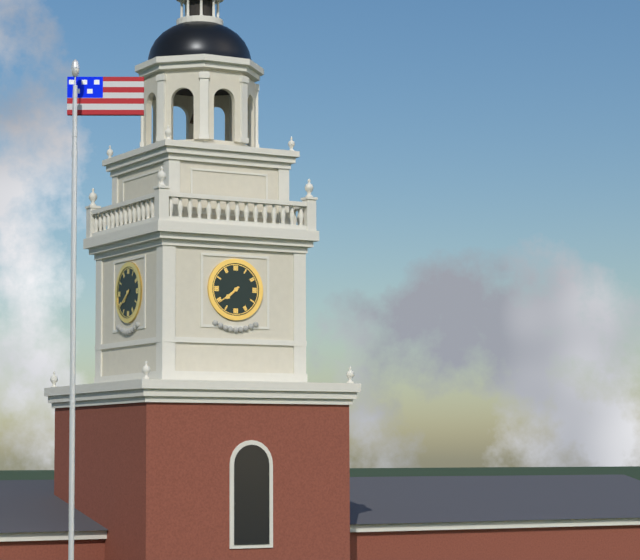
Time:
7.39
